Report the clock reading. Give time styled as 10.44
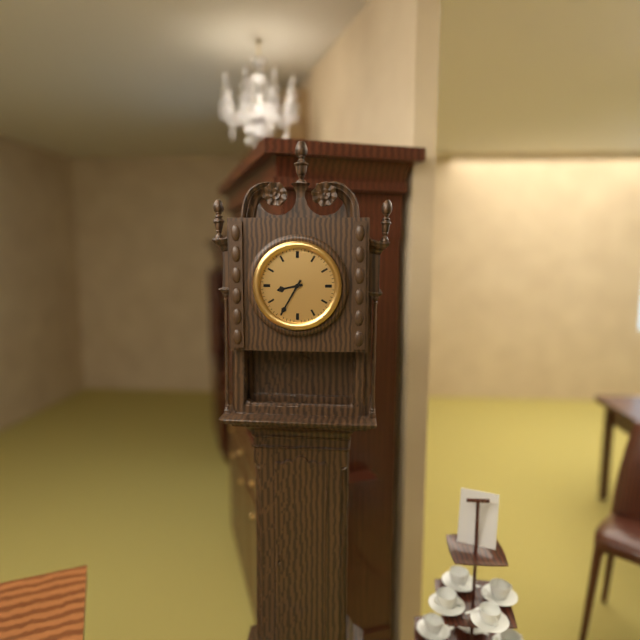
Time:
8.35
